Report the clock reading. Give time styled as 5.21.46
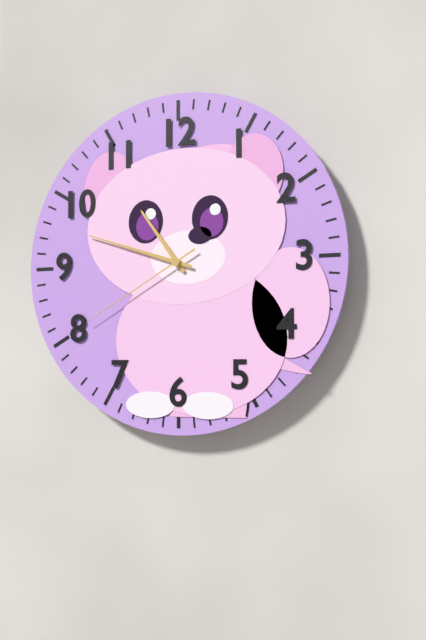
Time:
10.48.40
